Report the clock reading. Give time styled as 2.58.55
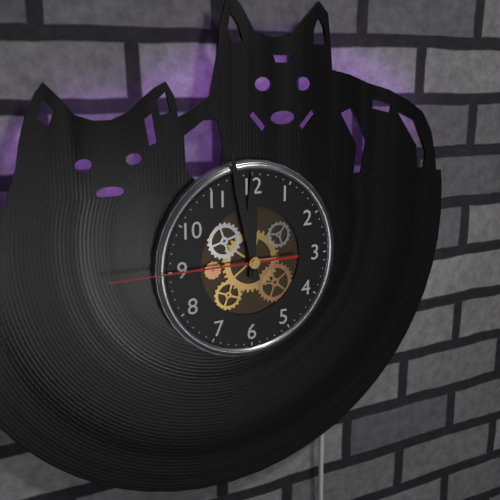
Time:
11.58.45
